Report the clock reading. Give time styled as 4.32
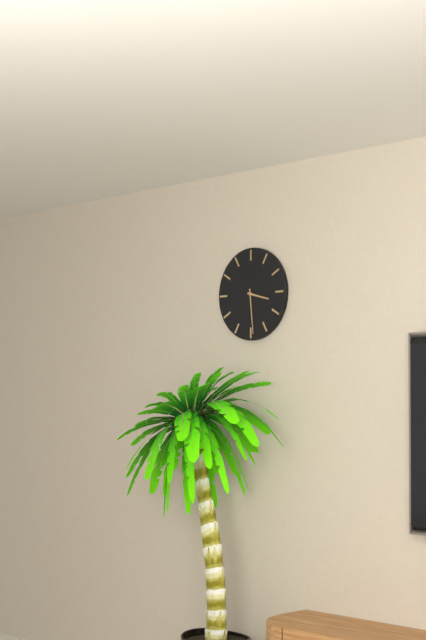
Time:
3.29
